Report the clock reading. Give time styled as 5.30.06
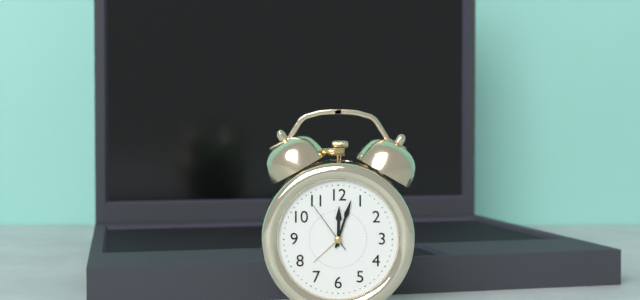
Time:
12.03.54
